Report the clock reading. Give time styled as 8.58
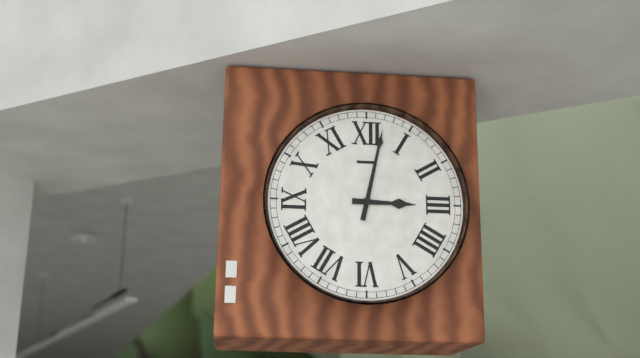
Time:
3.02
